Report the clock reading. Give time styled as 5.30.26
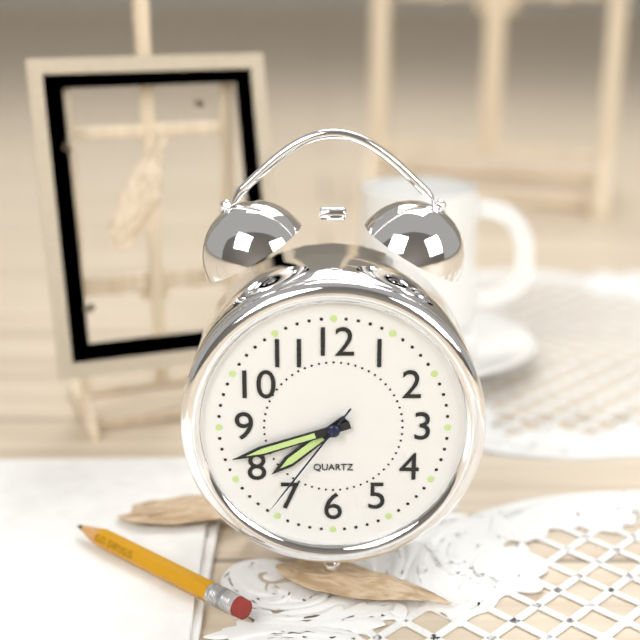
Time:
7.42.36
